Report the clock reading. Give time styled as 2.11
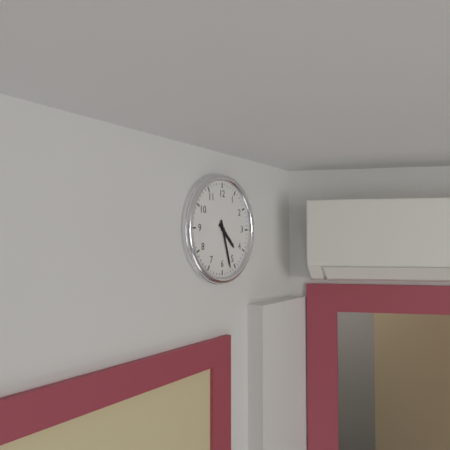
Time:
4.27
